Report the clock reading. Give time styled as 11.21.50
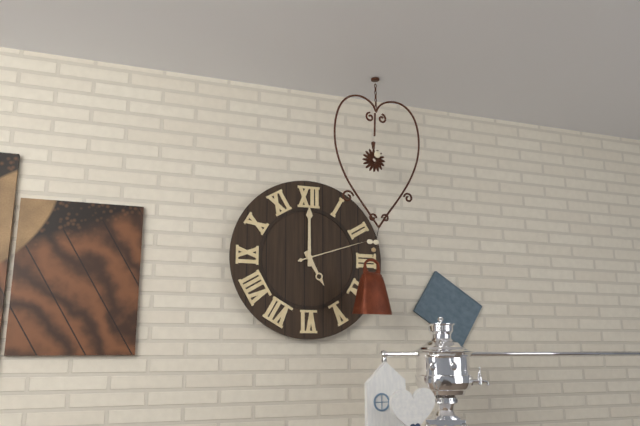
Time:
5.00.12
